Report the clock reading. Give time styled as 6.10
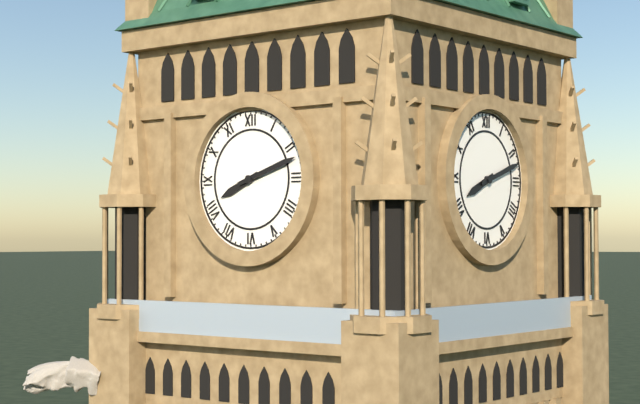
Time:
8.12
